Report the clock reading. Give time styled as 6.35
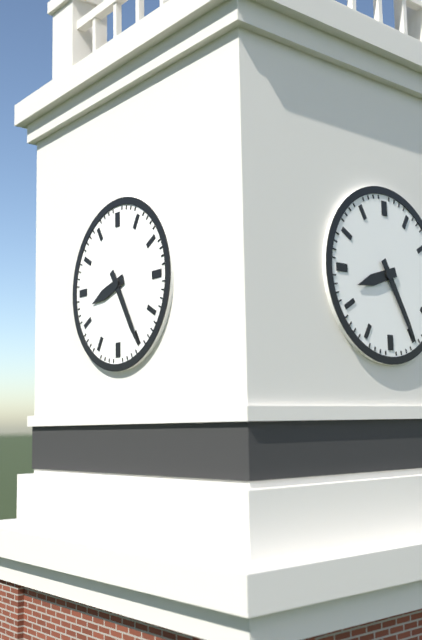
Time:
8.25
